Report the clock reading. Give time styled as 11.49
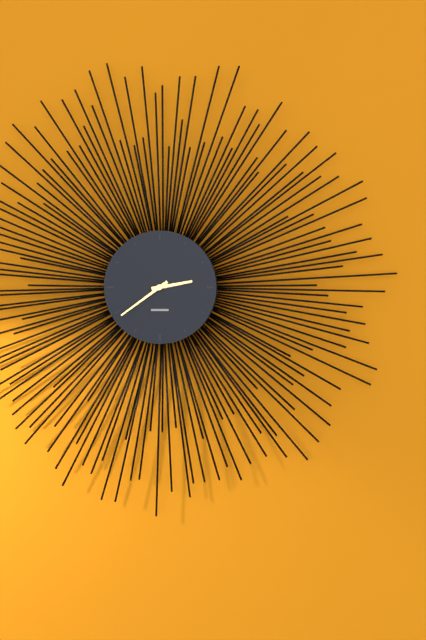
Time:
2.39
